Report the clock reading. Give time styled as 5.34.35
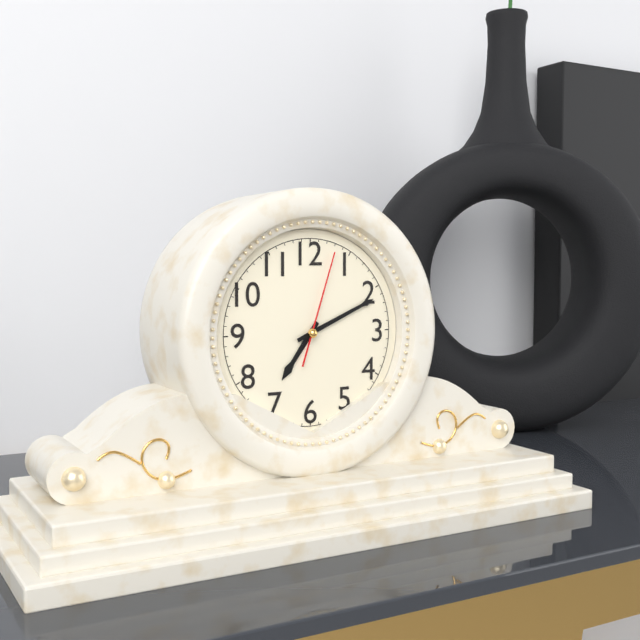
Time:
7.11.03
